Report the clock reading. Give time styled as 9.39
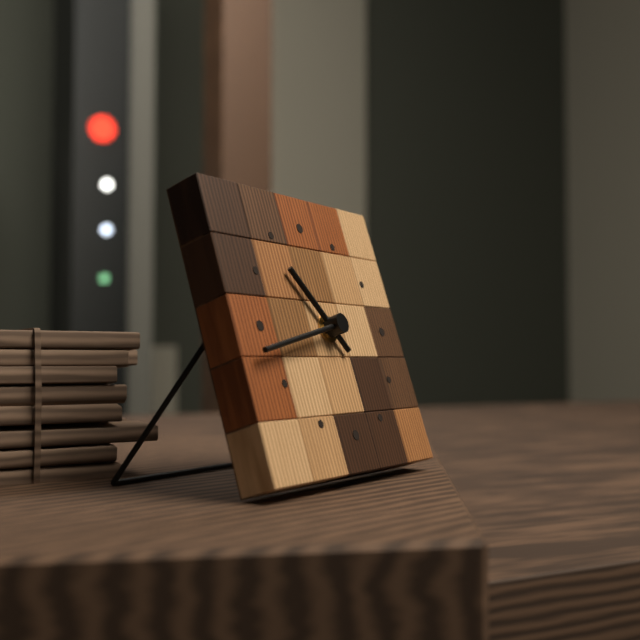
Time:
10.43
